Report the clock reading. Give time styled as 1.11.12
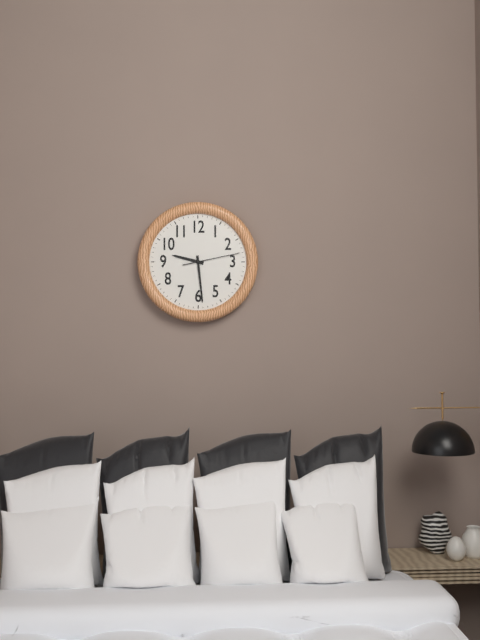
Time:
9.29.13
